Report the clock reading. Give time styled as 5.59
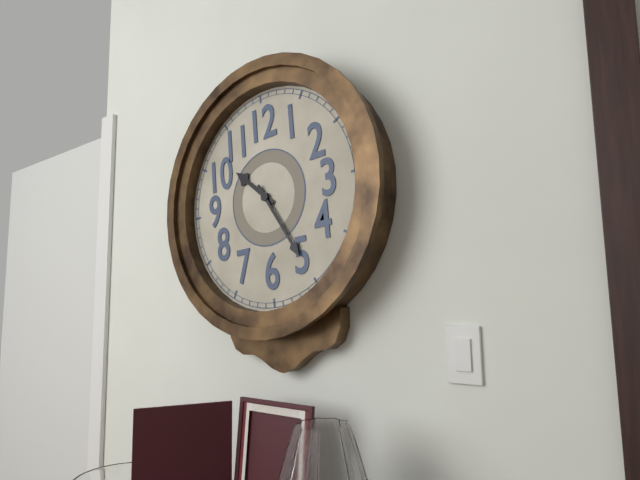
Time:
10.25
